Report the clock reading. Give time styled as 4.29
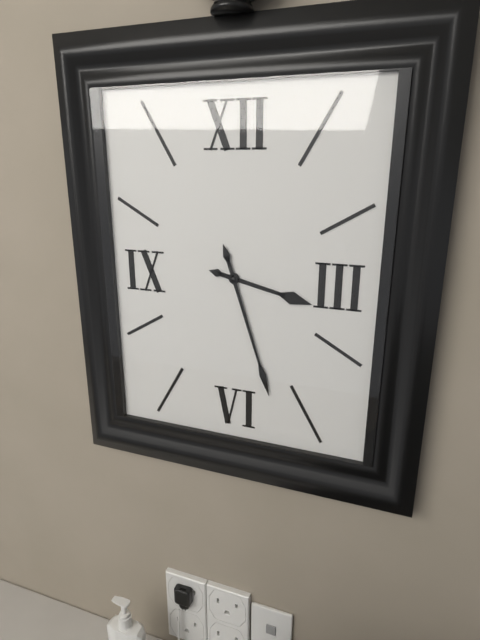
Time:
3.27
